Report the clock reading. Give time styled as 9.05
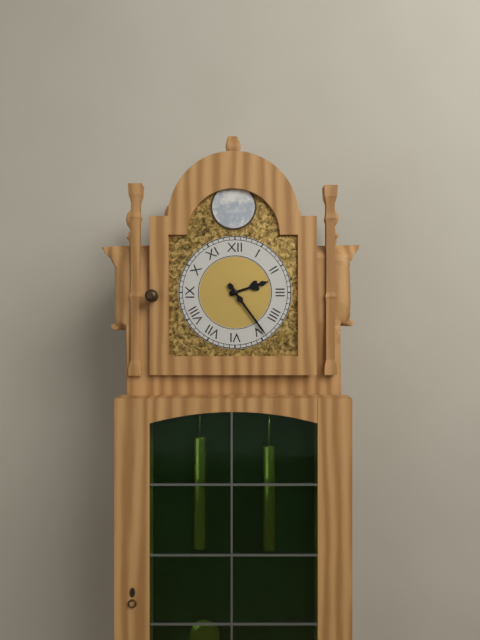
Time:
2.24
